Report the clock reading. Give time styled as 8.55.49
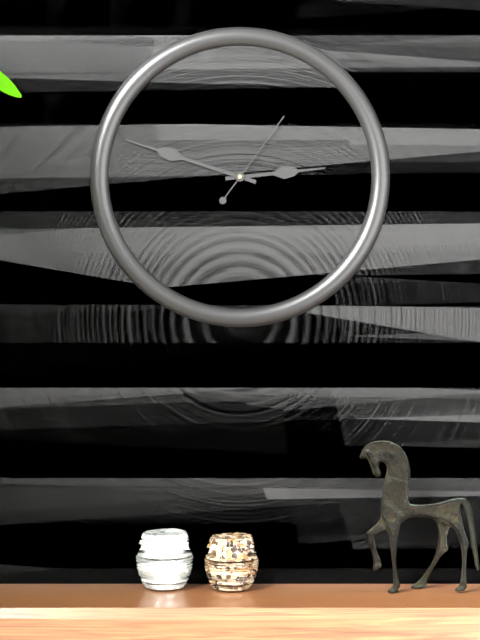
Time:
2.48.06
